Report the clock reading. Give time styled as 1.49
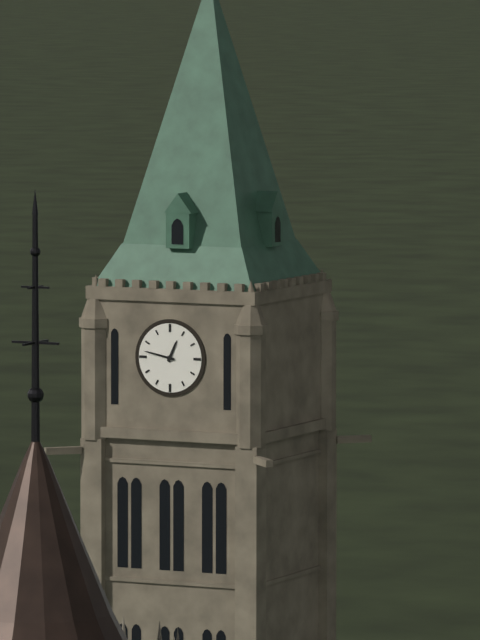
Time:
12.47
